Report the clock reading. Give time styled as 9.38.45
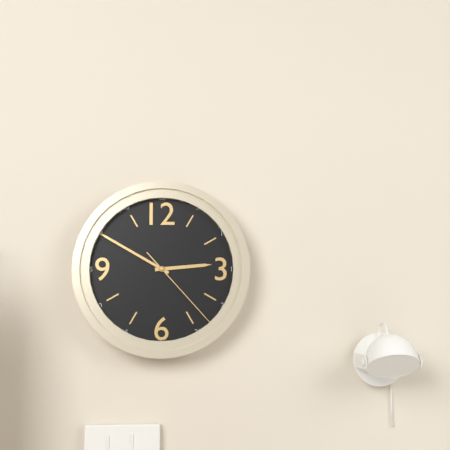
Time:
2.50.23
